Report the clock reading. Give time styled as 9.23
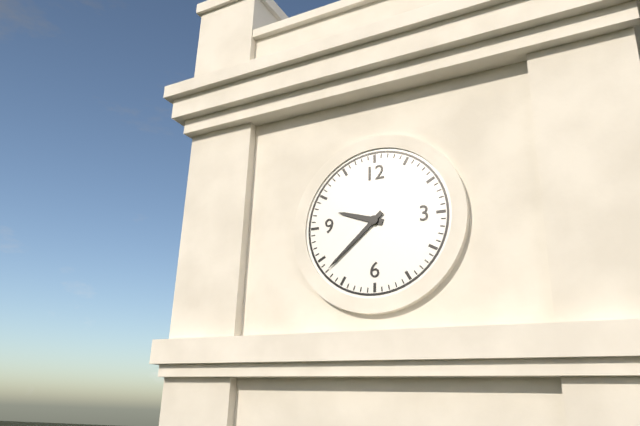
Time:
9.38
